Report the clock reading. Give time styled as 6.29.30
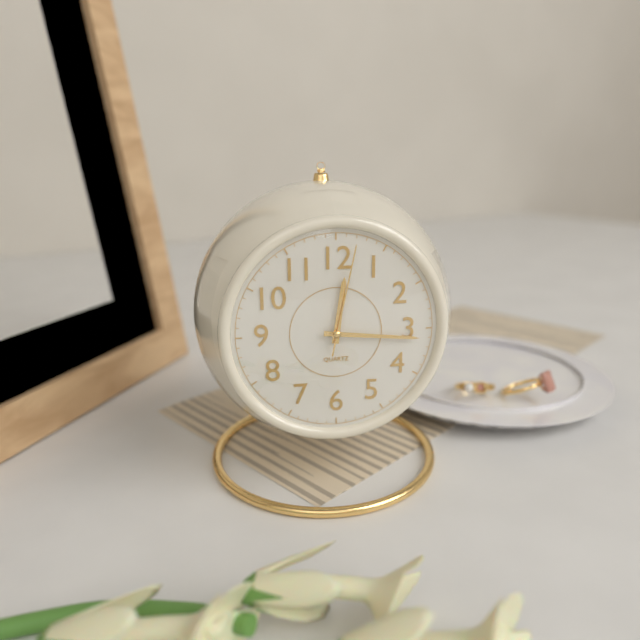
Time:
12.16.02
